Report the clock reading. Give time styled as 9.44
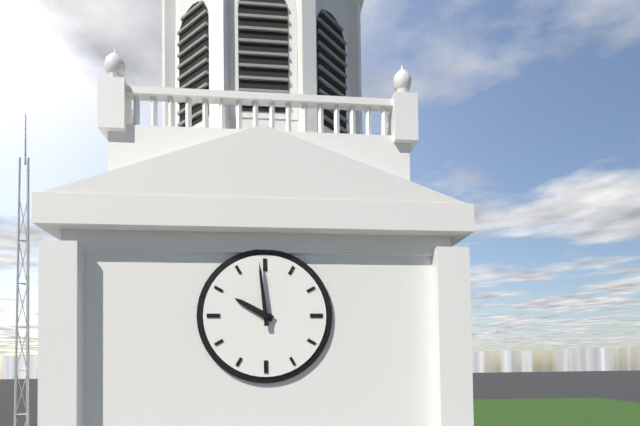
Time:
9.59
